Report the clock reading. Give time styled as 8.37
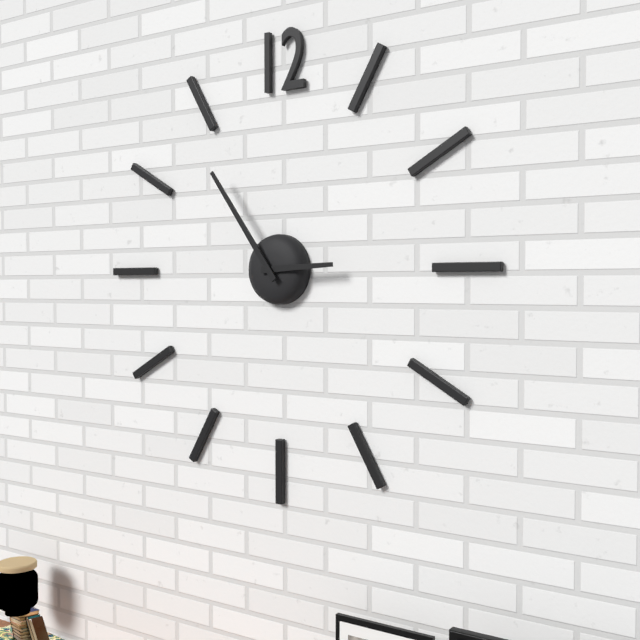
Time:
2.54
